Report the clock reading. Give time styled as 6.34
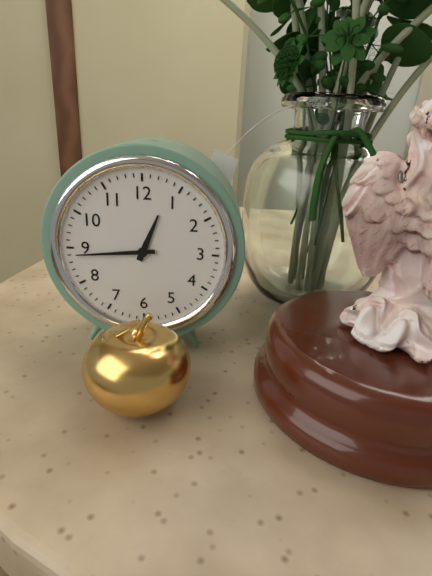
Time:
12.44
